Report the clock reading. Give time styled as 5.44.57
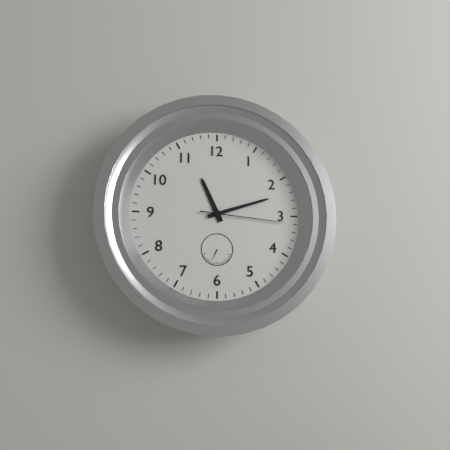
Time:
11.12.16
